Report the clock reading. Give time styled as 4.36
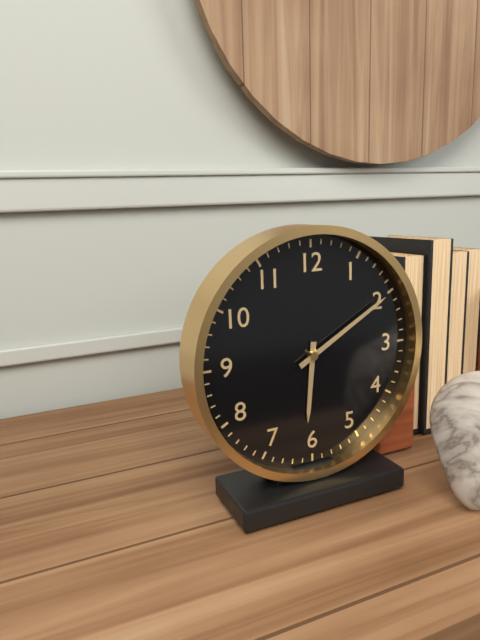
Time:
6.10
